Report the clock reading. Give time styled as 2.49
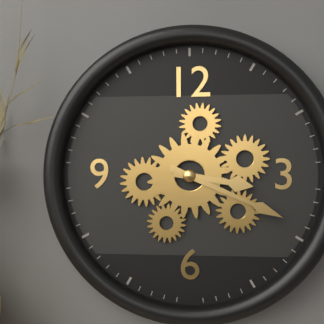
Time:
3.19
